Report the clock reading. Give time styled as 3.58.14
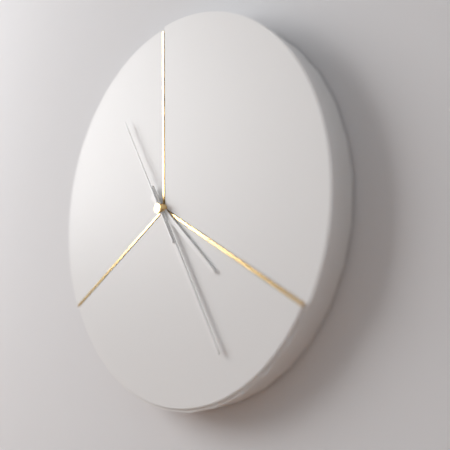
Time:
4.25.55
